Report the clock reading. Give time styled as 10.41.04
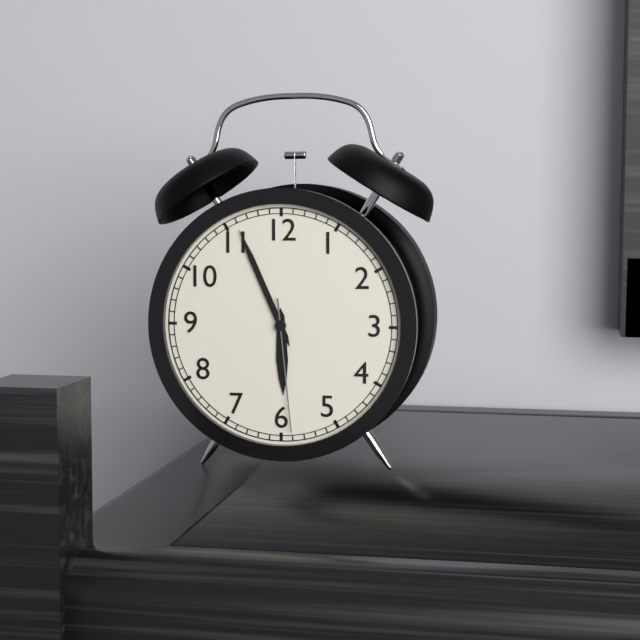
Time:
5.56.29
